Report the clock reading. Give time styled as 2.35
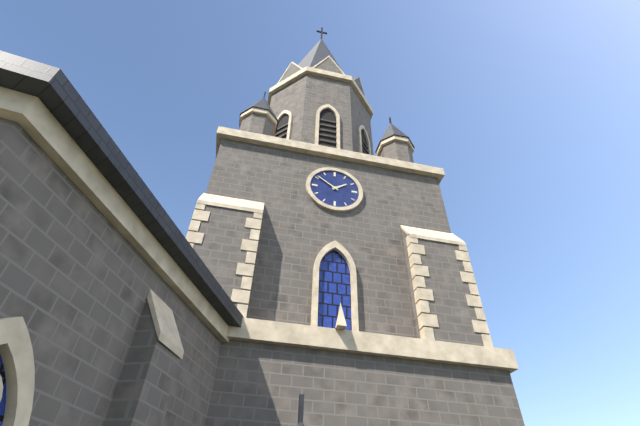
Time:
1.51
